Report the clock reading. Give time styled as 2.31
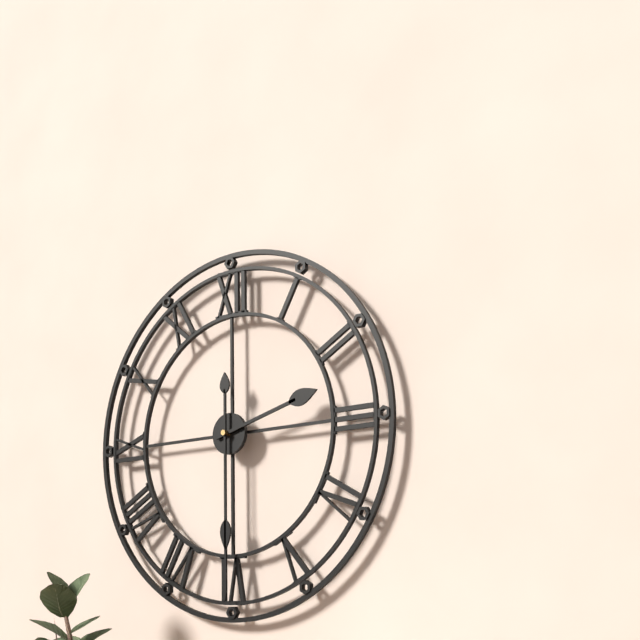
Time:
2.30
